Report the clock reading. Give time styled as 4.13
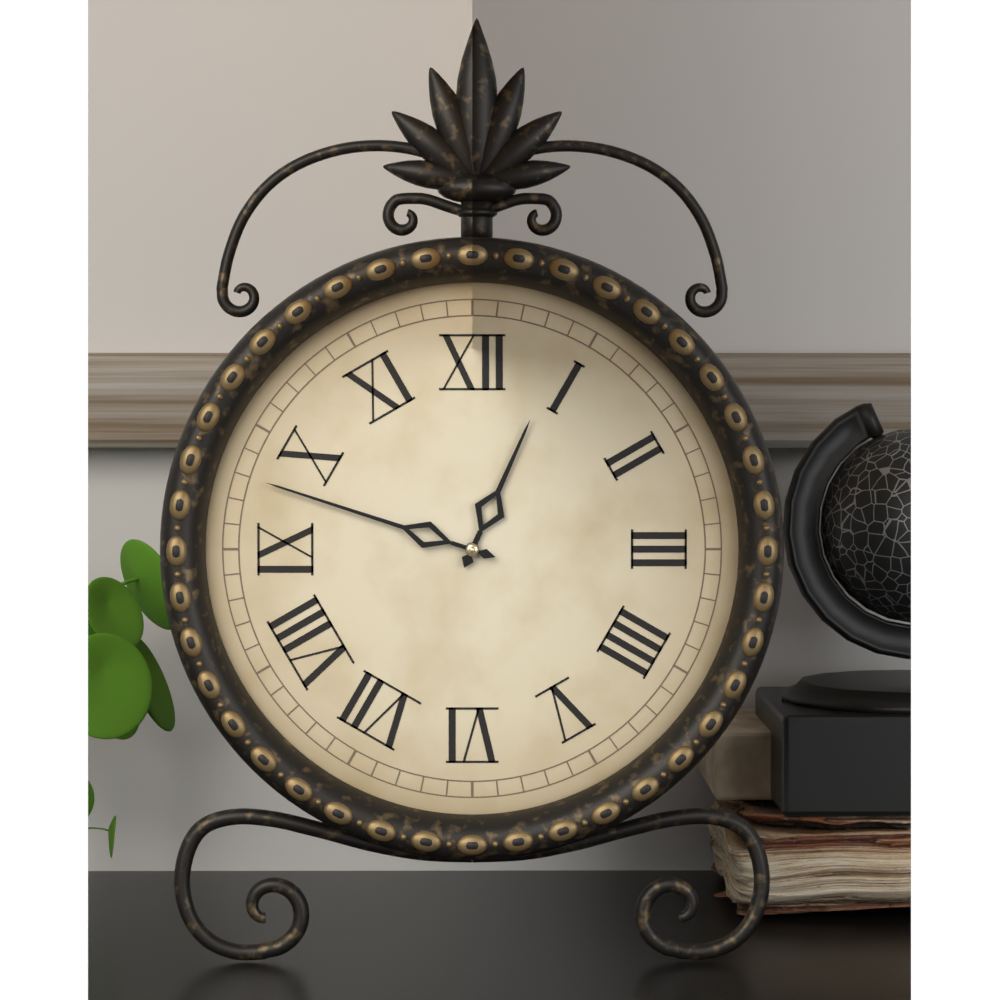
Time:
12.48
